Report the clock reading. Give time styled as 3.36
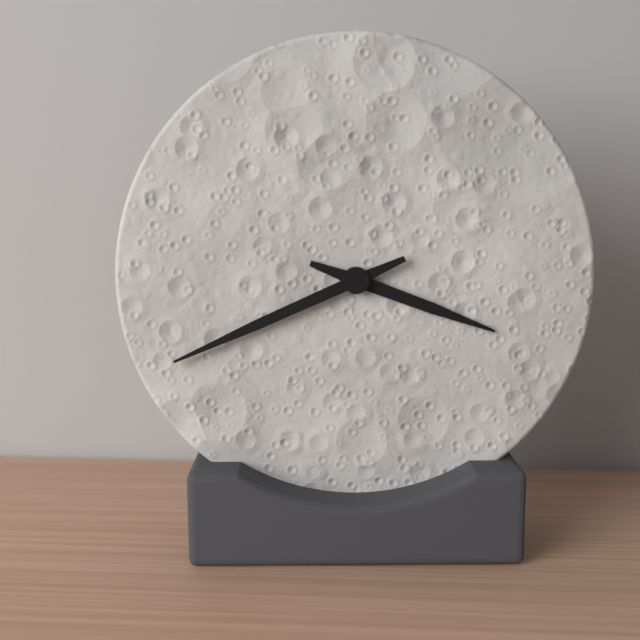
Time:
3.41
